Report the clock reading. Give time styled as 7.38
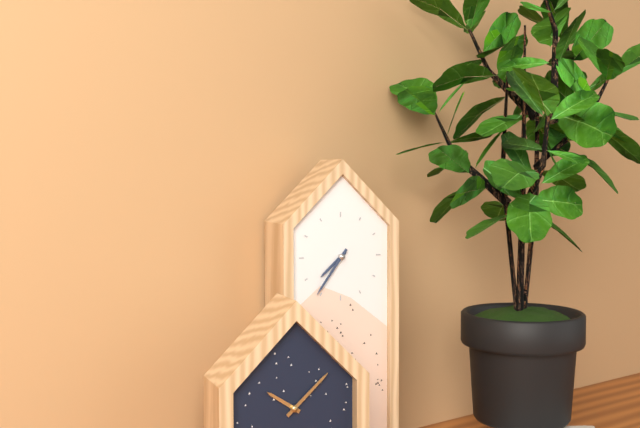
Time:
7.36
